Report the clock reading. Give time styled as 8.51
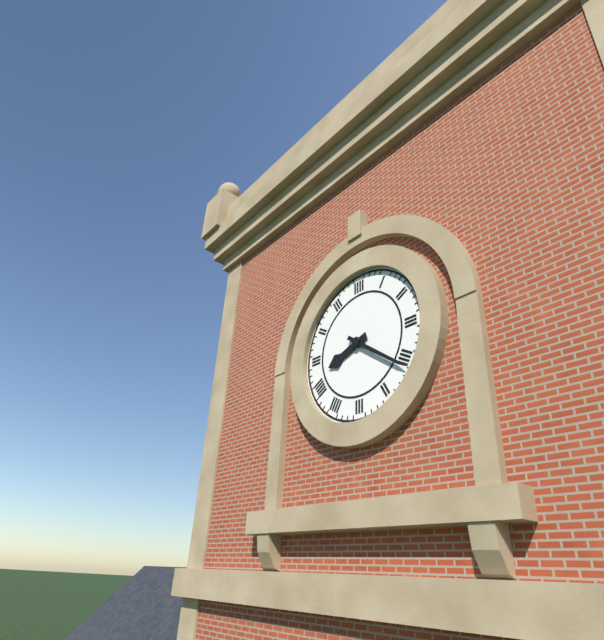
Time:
8.21
